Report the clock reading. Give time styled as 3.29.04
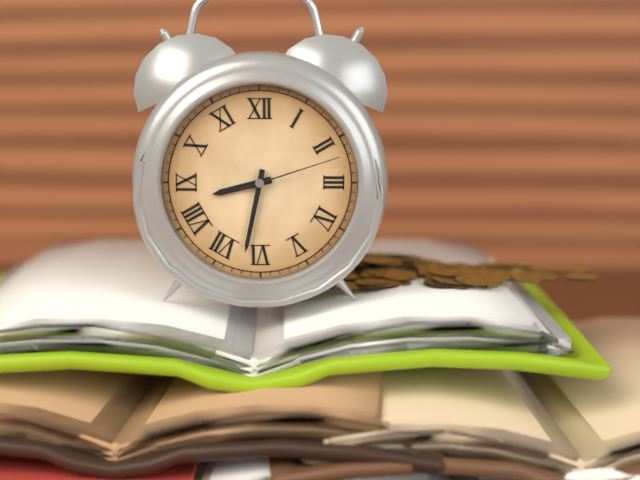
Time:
8.32.12
